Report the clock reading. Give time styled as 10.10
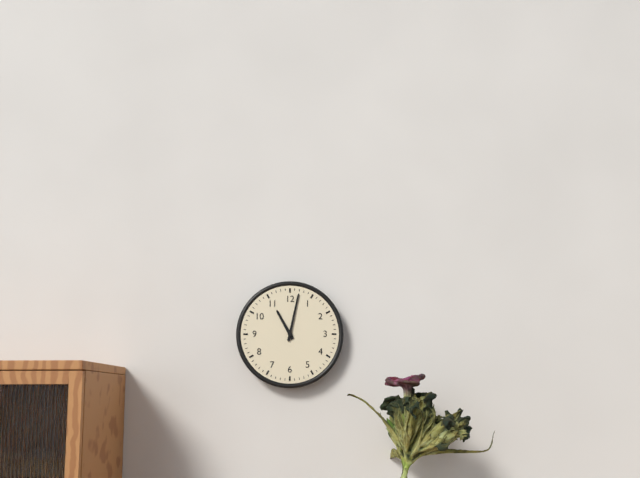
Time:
11.02
